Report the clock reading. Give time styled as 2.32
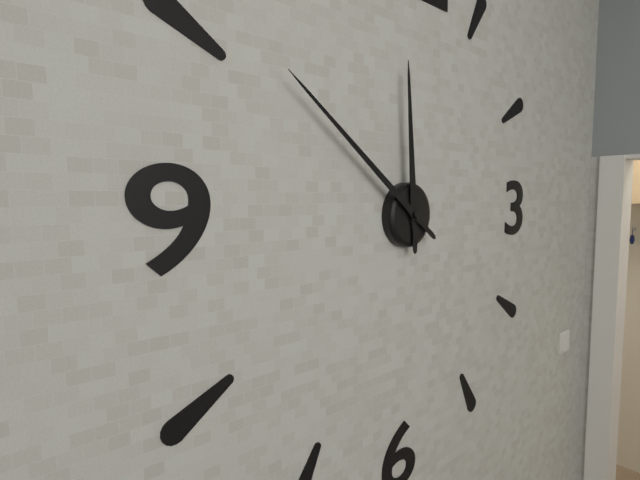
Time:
11.51
